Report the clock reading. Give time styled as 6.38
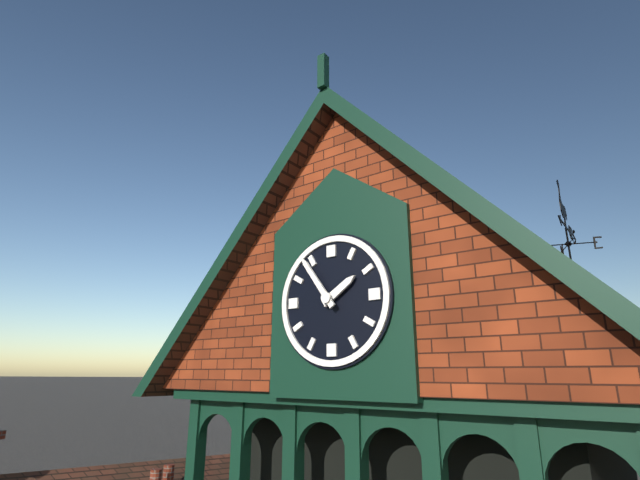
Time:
1.54
